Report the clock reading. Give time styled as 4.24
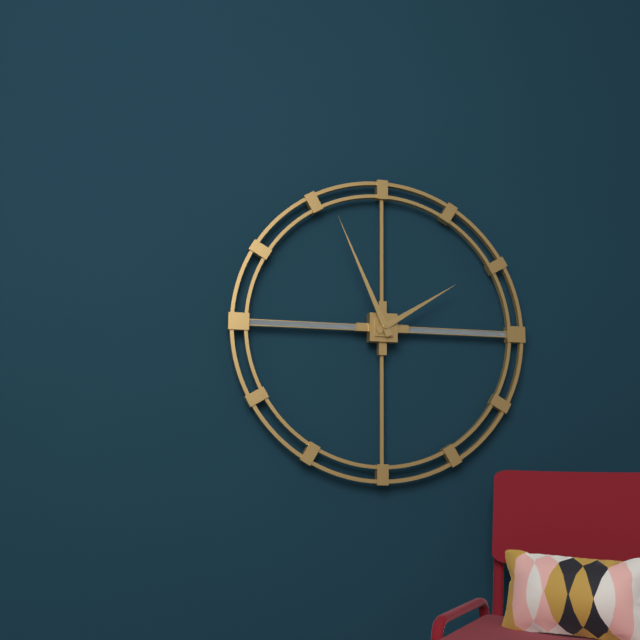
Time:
1.56
